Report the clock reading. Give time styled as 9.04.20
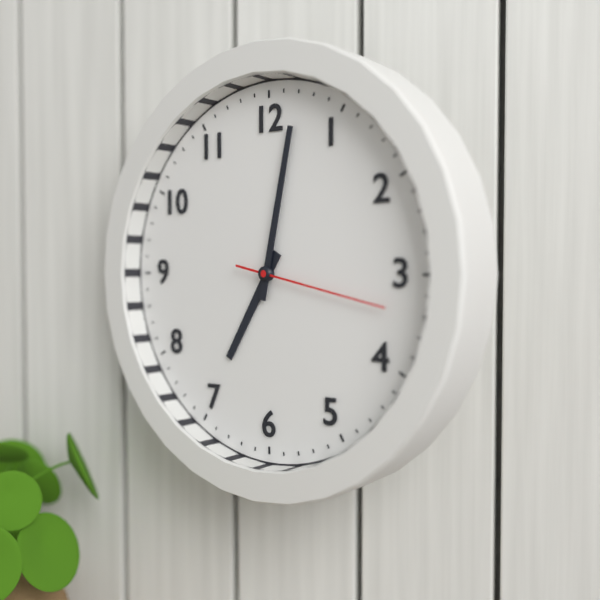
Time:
7.02.17
